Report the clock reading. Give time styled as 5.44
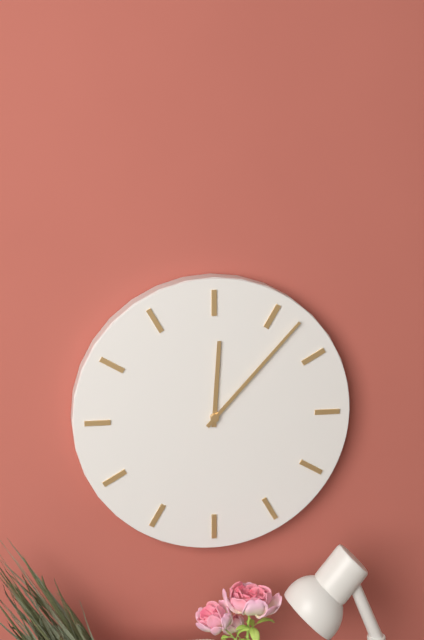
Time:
12.07
